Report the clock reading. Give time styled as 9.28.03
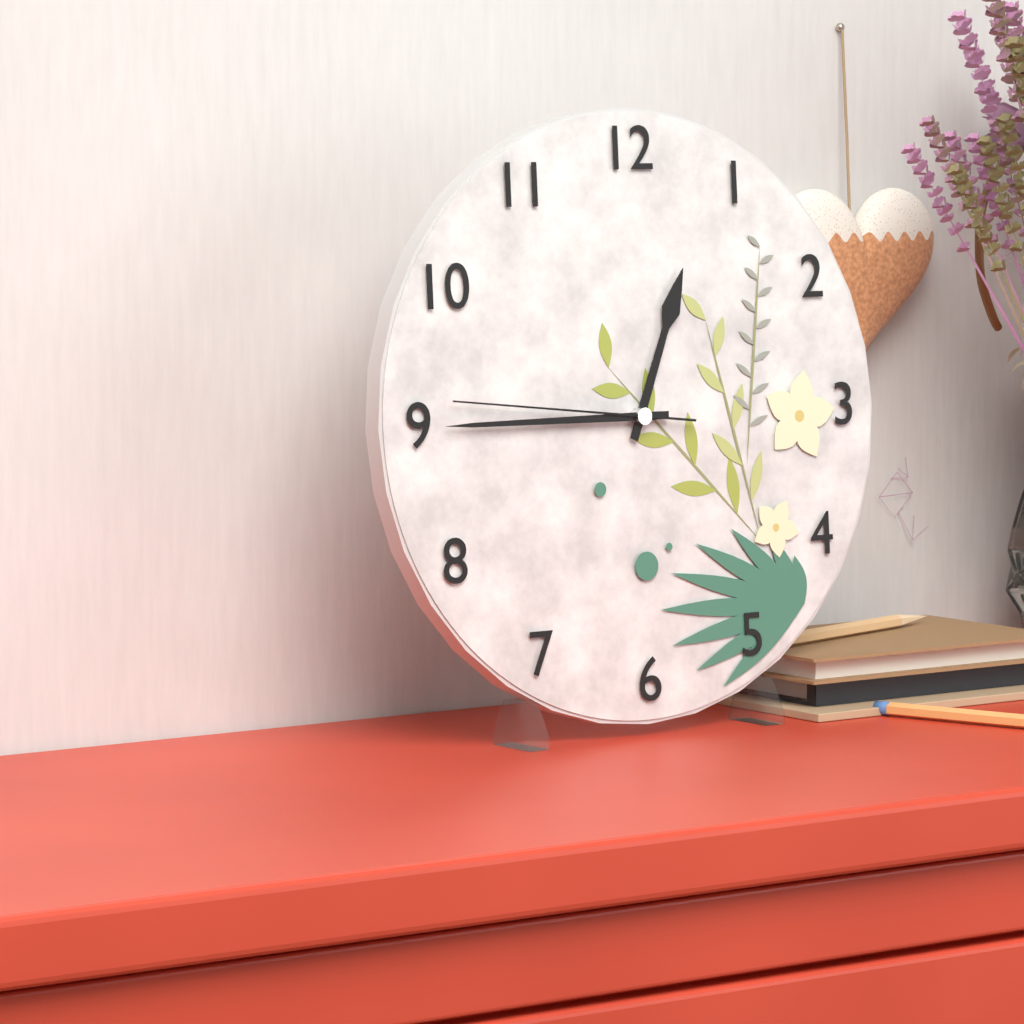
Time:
12.45.46
